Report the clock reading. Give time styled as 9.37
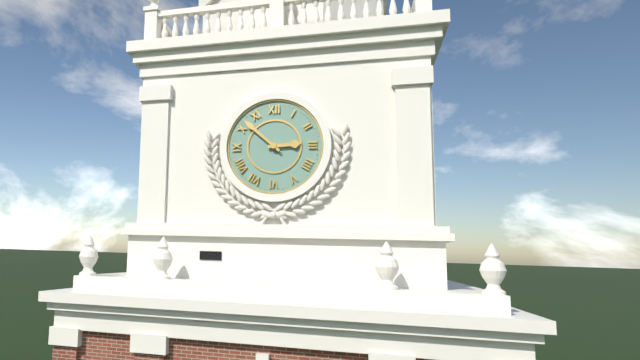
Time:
2.52
